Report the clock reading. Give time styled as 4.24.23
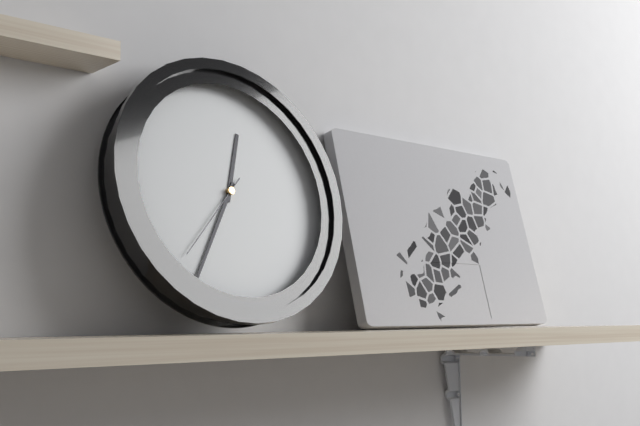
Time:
12.35.37
